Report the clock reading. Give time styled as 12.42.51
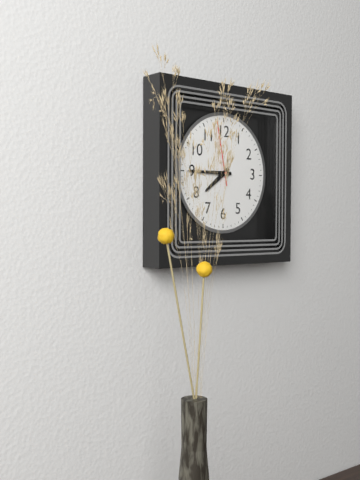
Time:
7.45.58
